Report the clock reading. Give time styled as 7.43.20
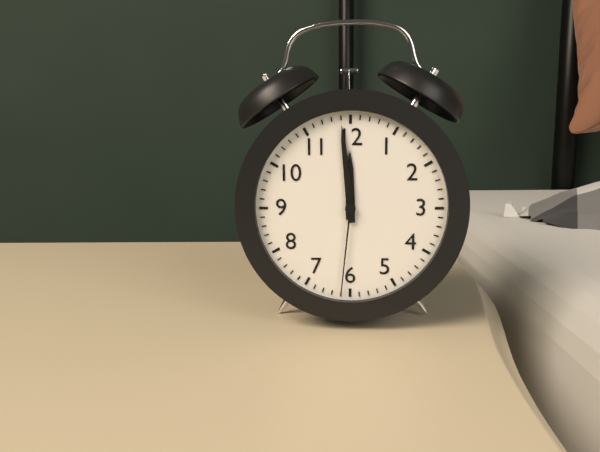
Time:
11.59.31
